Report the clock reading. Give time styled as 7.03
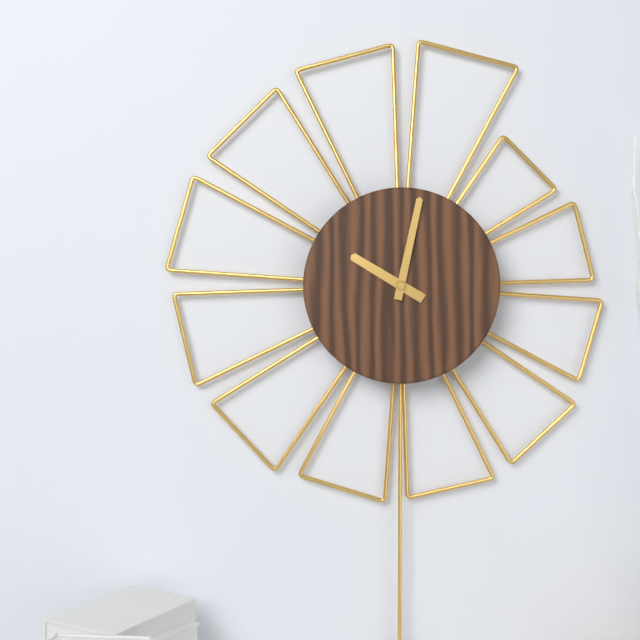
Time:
10.02
